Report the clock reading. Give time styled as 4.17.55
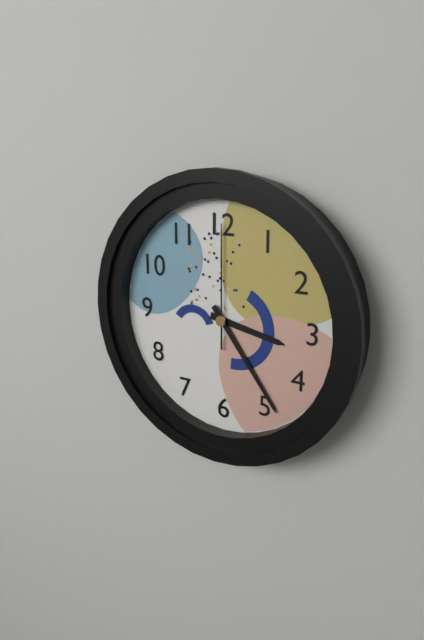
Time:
3.24.00
